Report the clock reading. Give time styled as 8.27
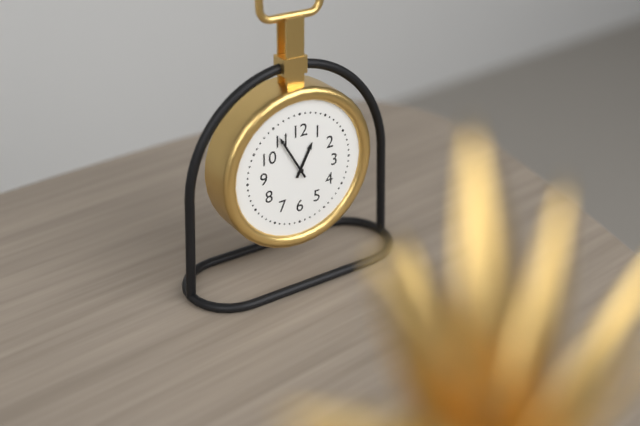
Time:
12.55
